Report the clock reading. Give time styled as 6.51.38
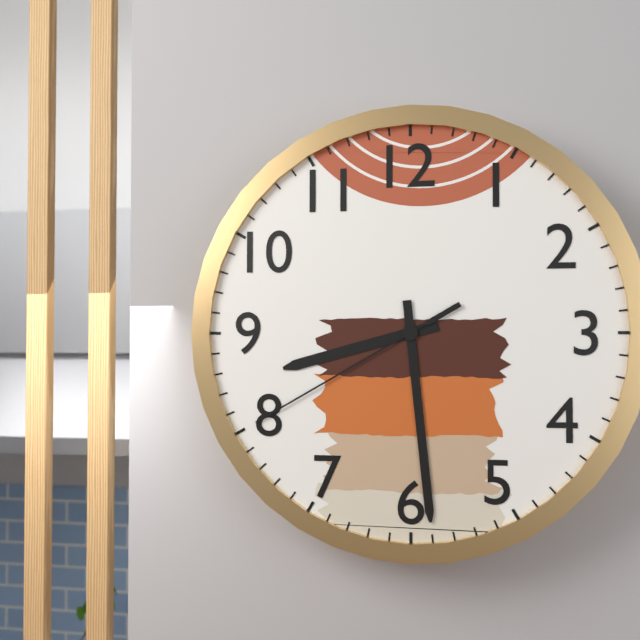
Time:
8.29.40
